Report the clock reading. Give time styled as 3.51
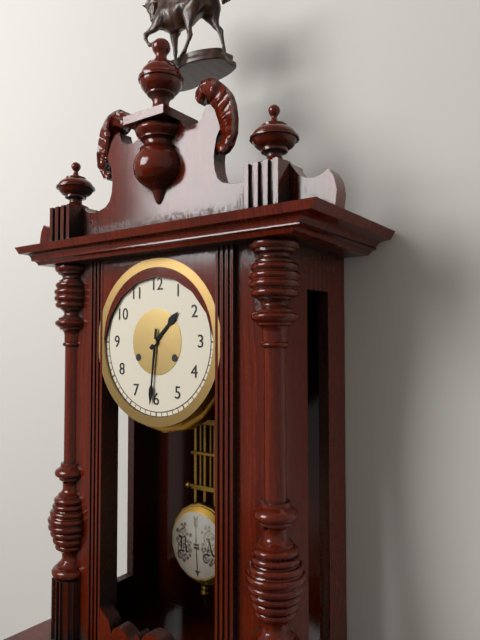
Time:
1.31
